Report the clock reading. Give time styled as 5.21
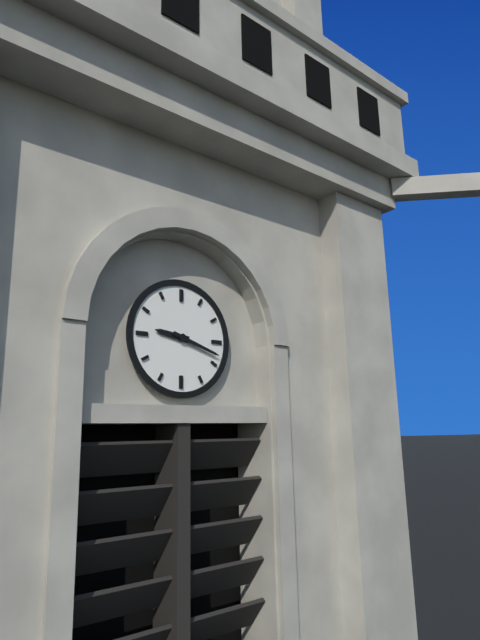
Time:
9.18
